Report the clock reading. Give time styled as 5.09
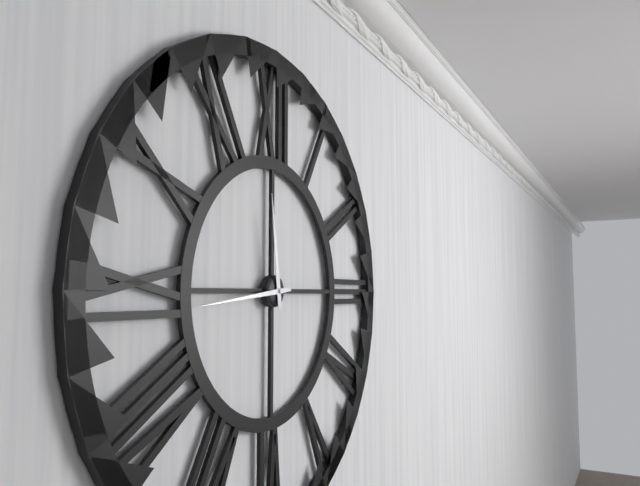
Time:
11.44
